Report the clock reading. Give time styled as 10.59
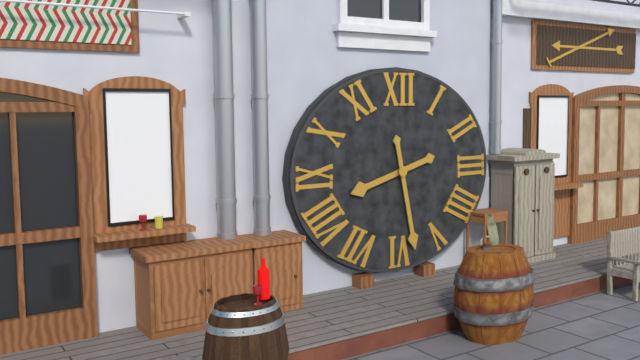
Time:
8.28
